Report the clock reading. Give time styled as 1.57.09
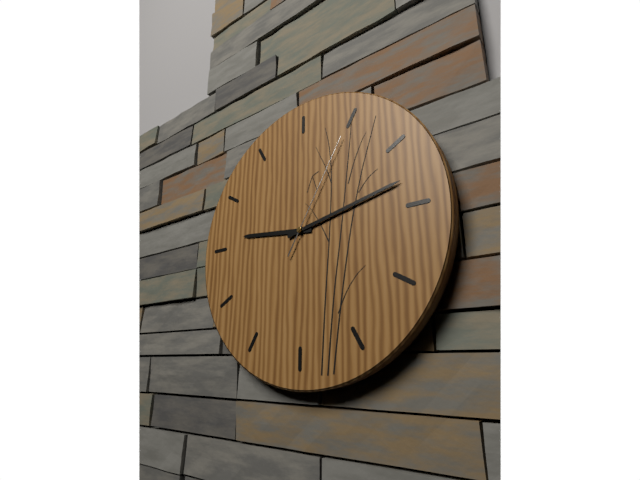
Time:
9.13.05
